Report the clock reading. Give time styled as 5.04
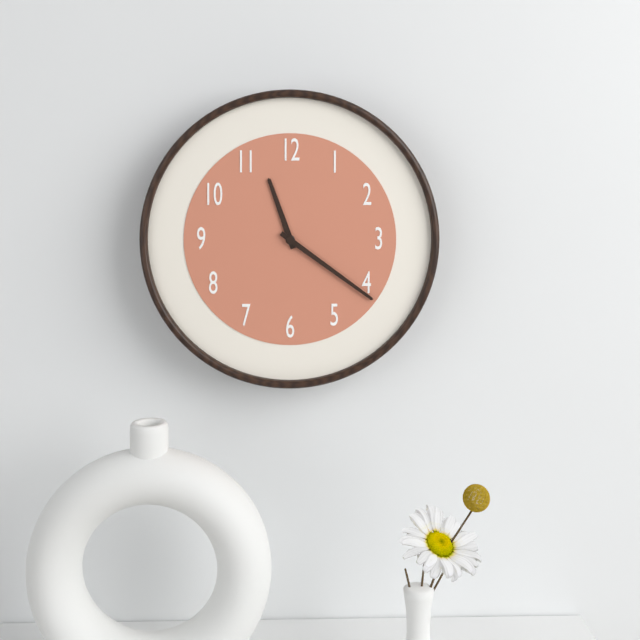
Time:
11.21
